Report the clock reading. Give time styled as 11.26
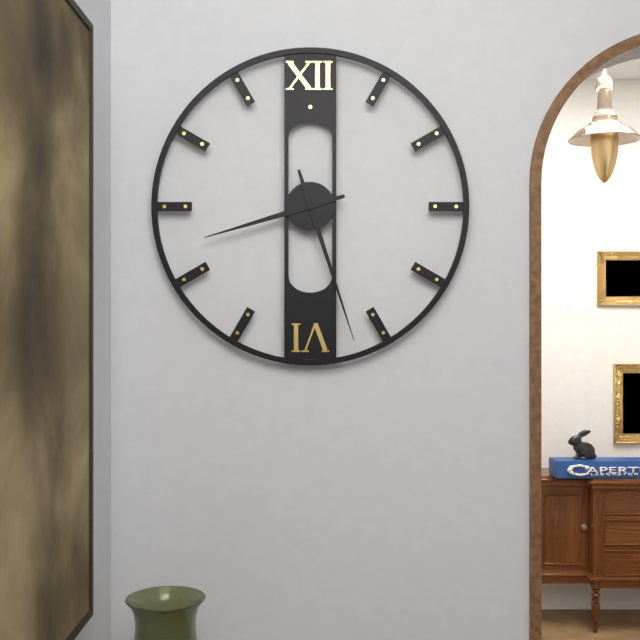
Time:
8.27
